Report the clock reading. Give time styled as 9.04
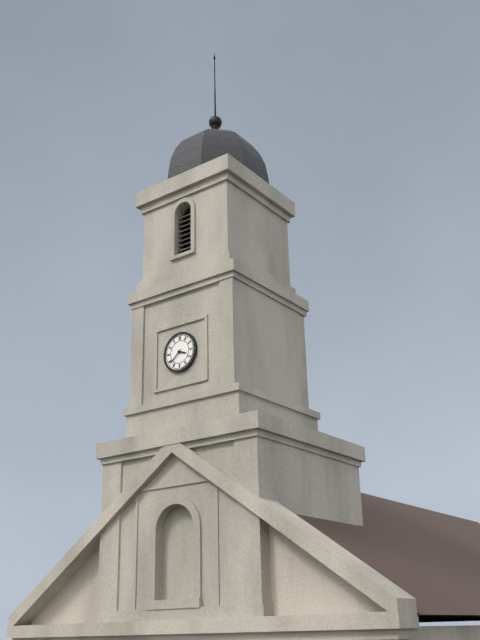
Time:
3.38
